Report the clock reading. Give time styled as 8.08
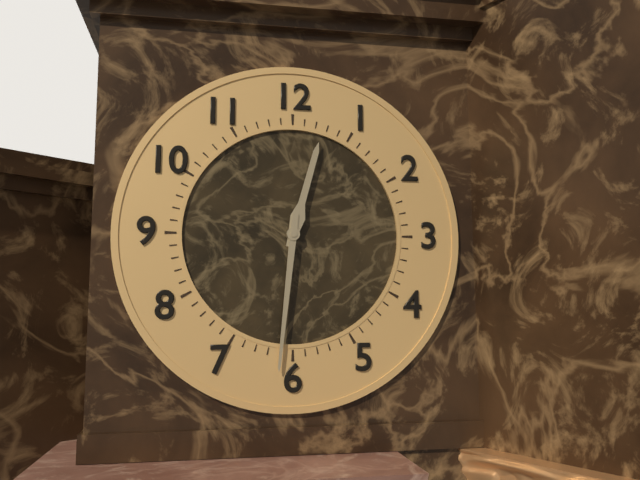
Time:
12.31
